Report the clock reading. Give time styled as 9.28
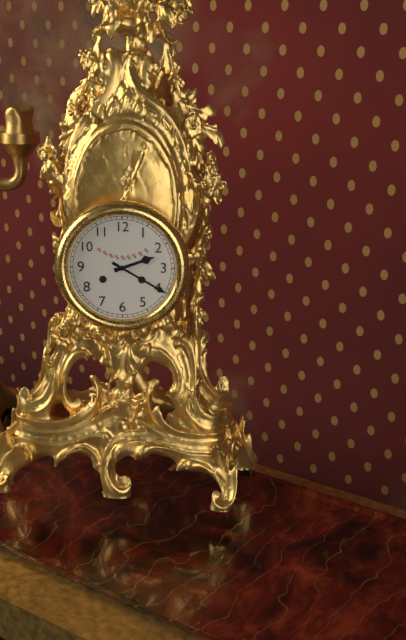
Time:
2.20
